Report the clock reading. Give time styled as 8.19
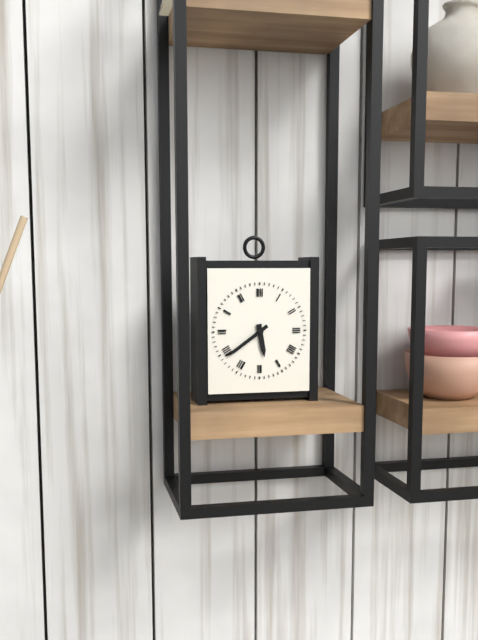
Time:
5.39
